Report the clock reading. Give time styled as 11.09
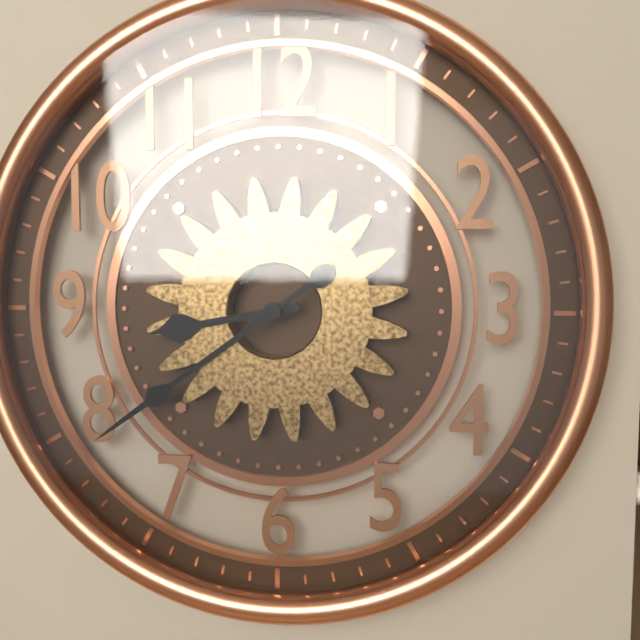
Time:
8.39
